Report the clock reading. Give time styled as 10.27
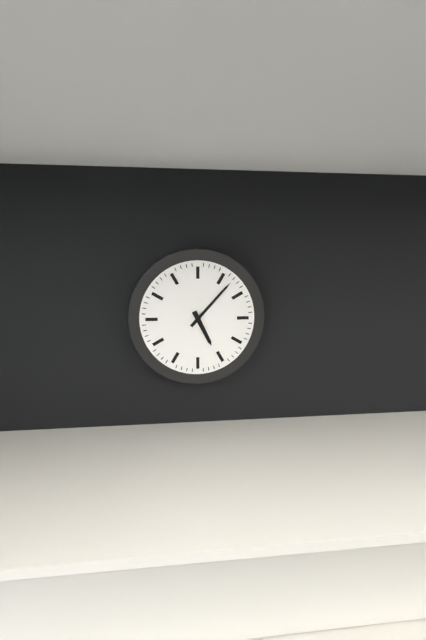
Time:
5.07
